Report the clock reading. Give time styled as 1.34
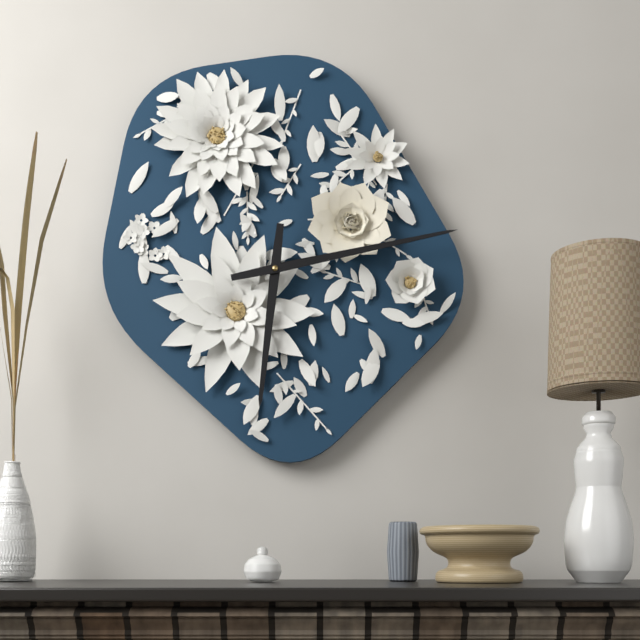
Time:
6.13
